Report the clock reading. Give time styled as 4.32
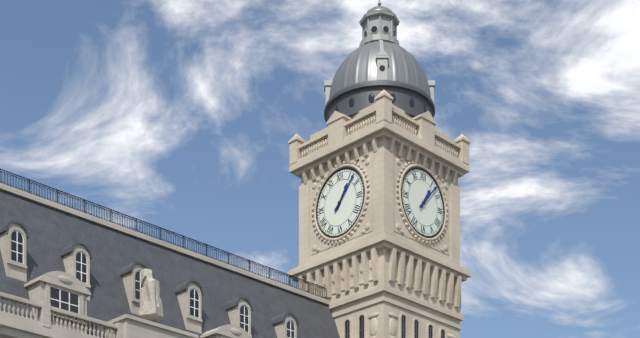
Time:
1.07
